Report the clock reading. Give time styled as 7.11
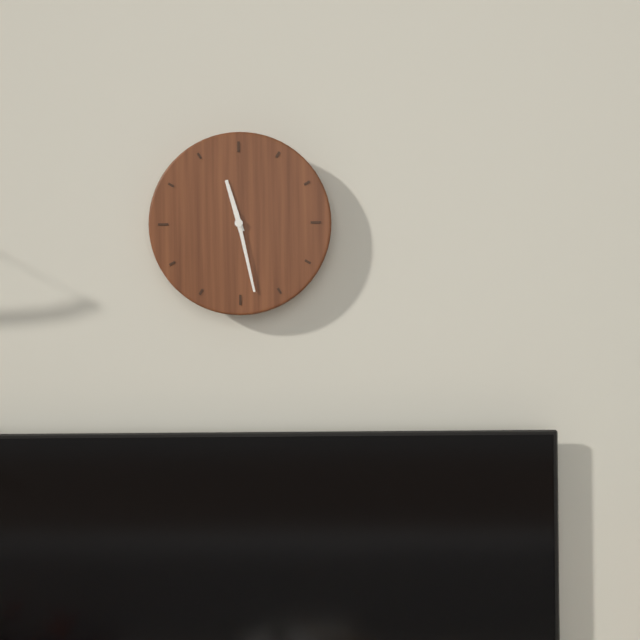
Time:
11.28
